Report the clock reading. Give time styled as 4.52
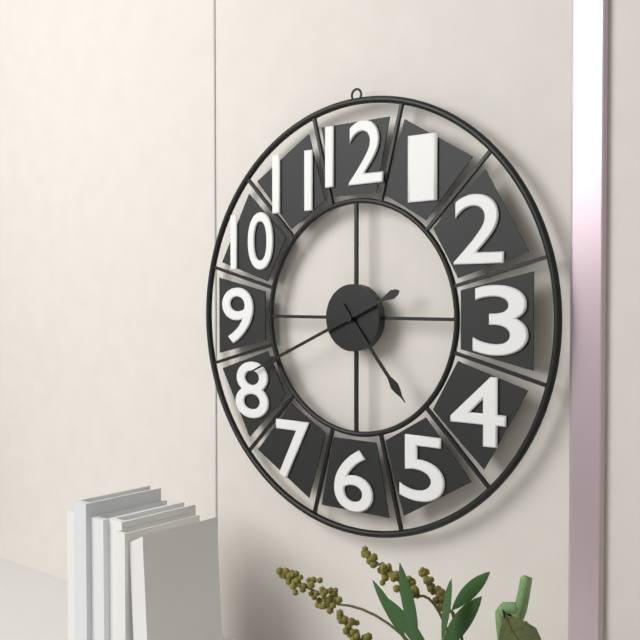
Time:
4.41
